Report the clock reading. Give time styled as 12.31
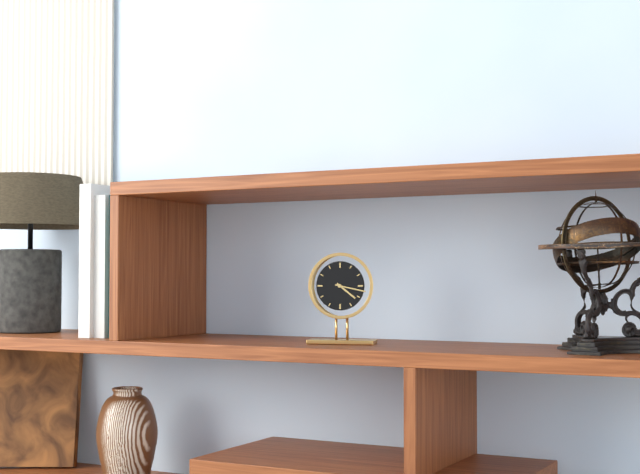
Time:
4.17
